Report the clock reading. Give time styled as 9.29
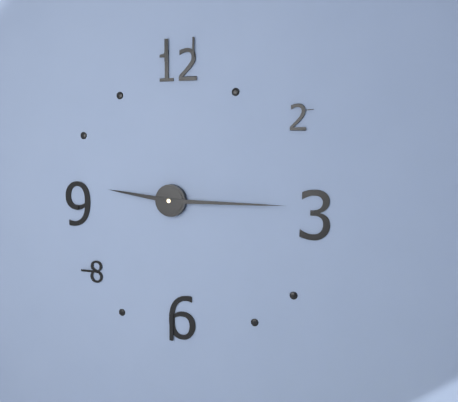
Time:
9.15
